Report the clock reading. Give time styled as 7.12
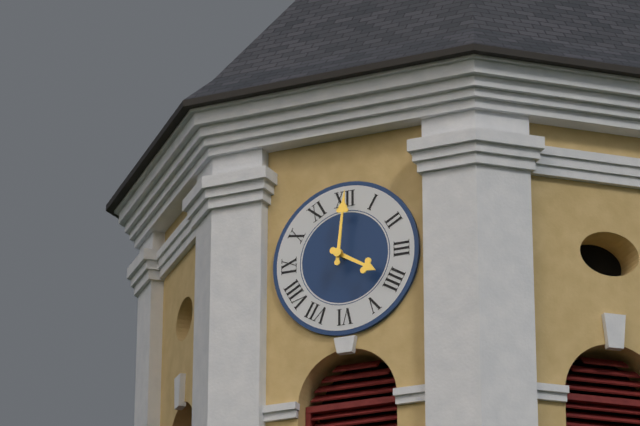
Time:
4.01
